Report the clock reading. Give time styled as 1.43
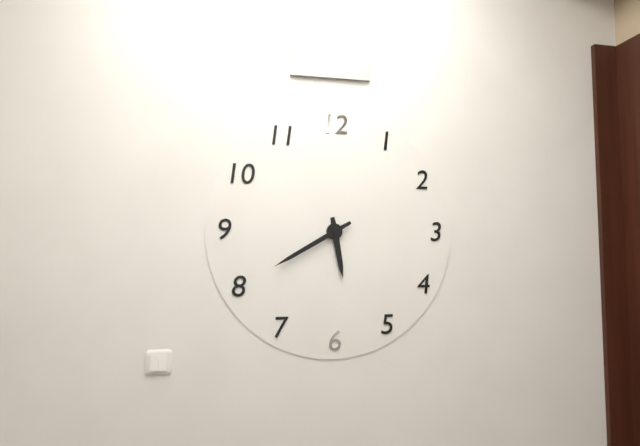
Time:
5.40
